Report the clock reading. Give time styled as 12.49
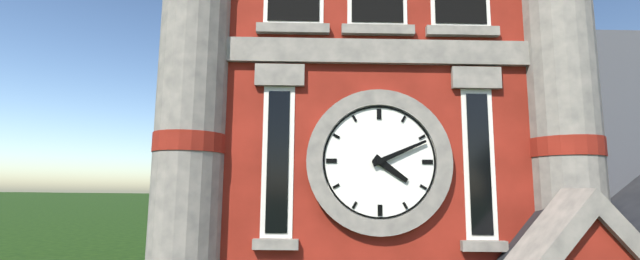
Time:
4.11
